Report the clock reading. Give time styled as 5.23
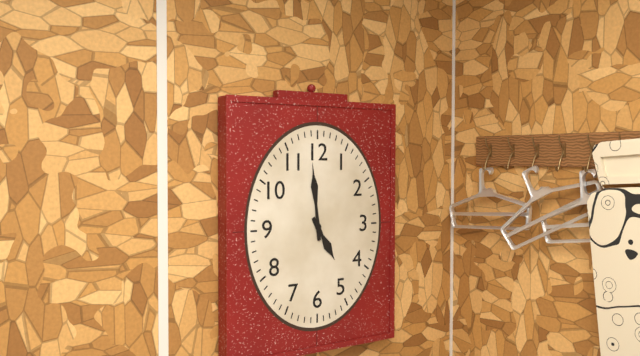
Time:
4.59
